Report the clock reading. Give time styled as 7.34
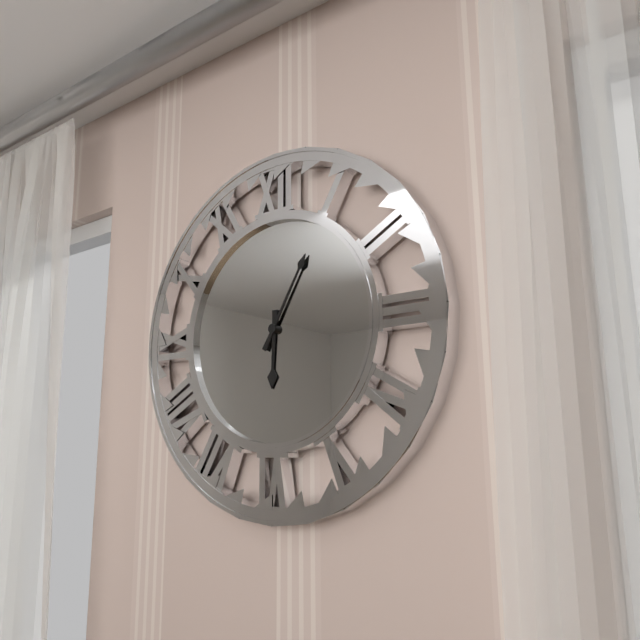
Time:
6.05
